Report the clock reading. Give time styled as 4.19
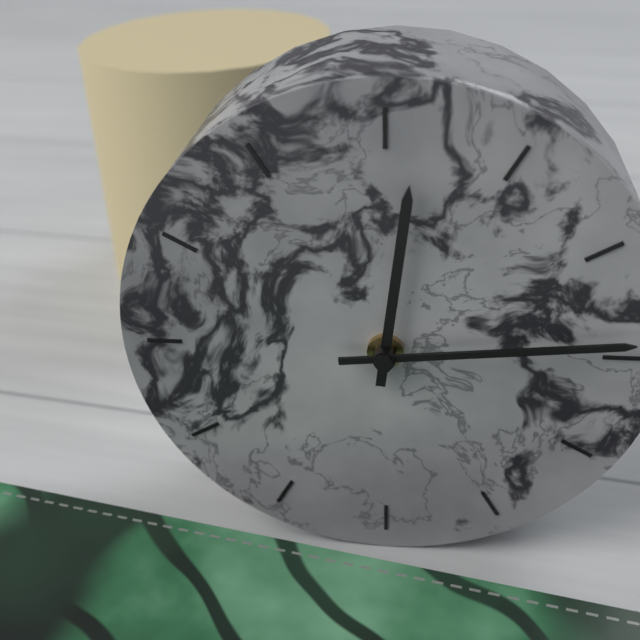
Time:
12.14
